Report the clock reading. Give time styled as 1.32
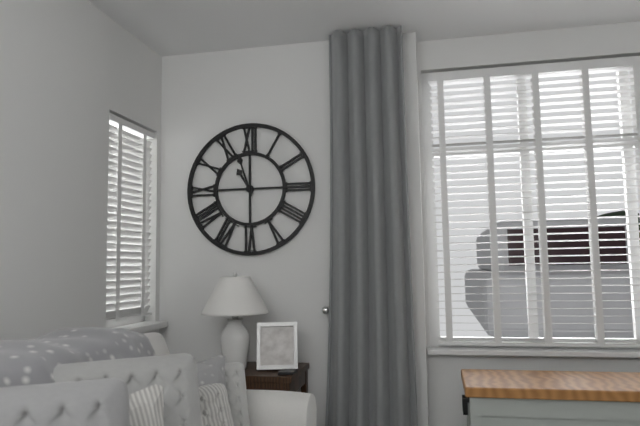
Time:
10.57
